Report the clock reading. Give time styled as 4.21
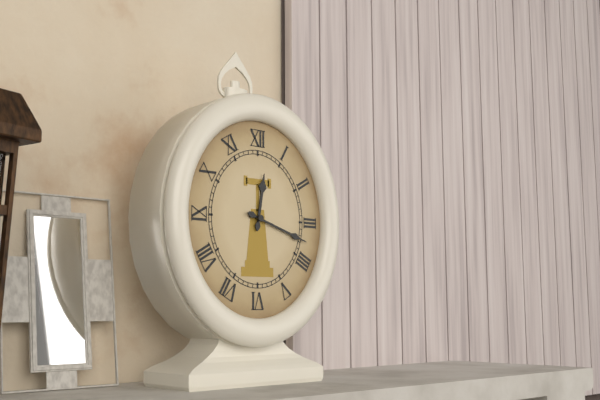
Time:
12.18
